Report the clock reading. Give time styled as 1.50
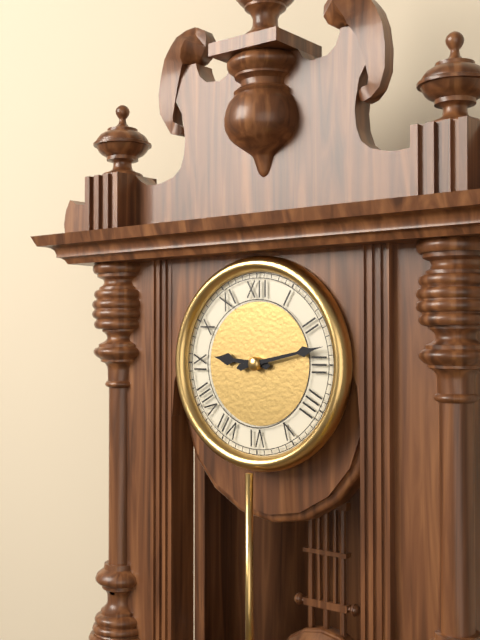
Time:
9.13
